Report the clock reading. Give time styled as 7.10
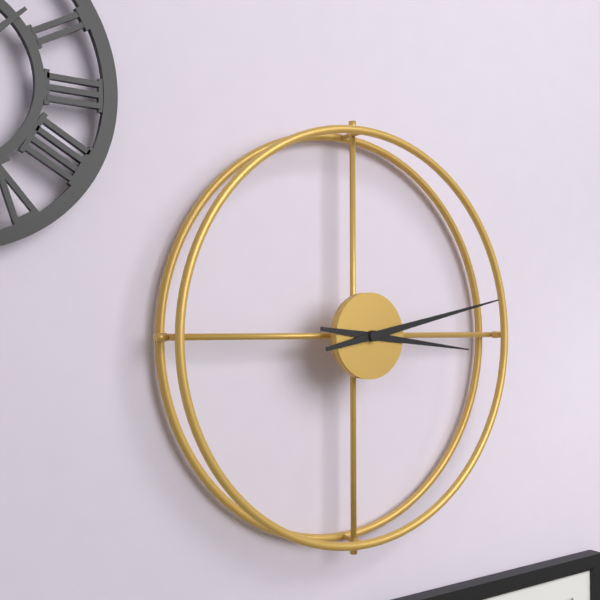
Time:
3.13
